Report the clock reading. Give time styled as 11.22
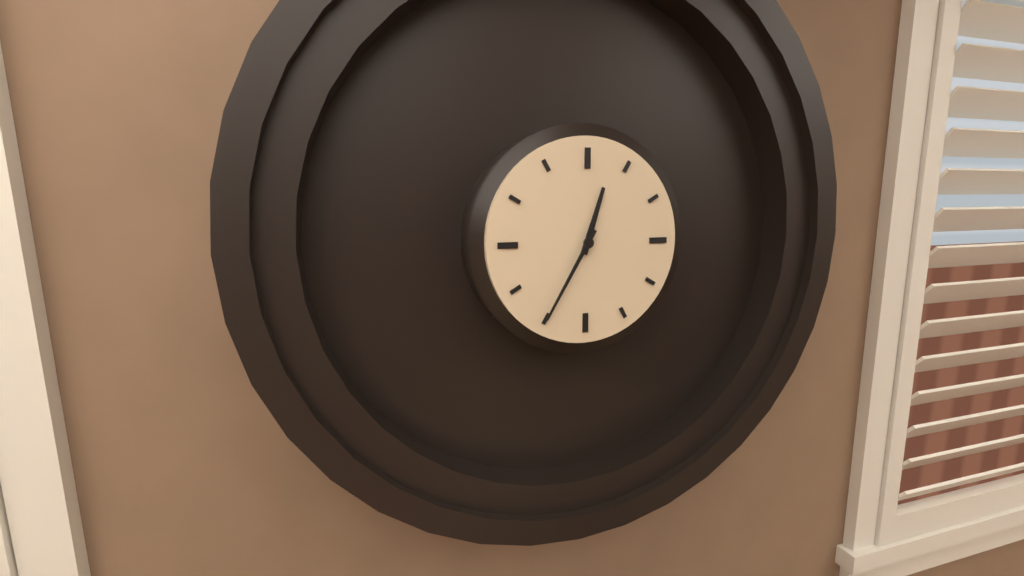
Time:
12.35
